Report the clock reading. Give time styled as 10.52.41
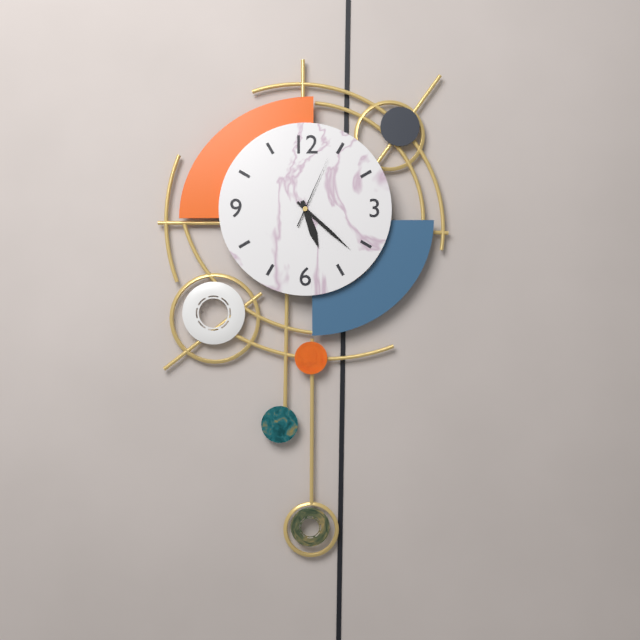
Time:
5.22.04
